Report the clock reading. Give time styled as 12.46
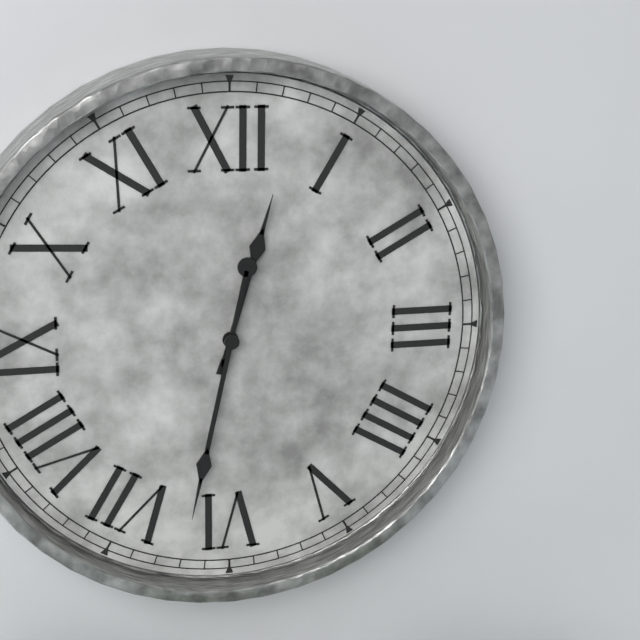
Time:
12.32
